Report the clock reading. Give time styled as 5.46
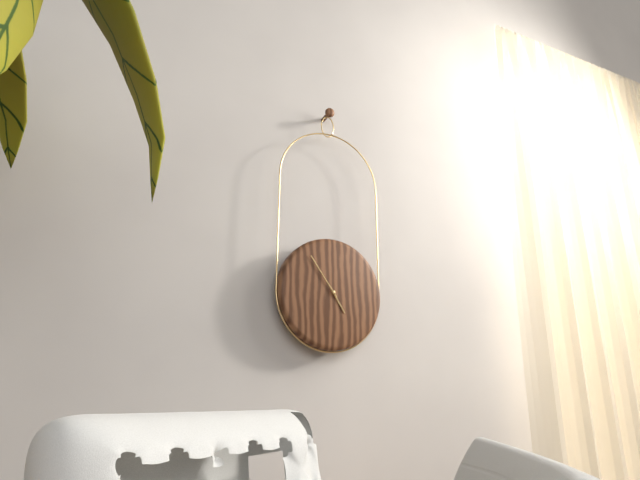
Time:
4.54
